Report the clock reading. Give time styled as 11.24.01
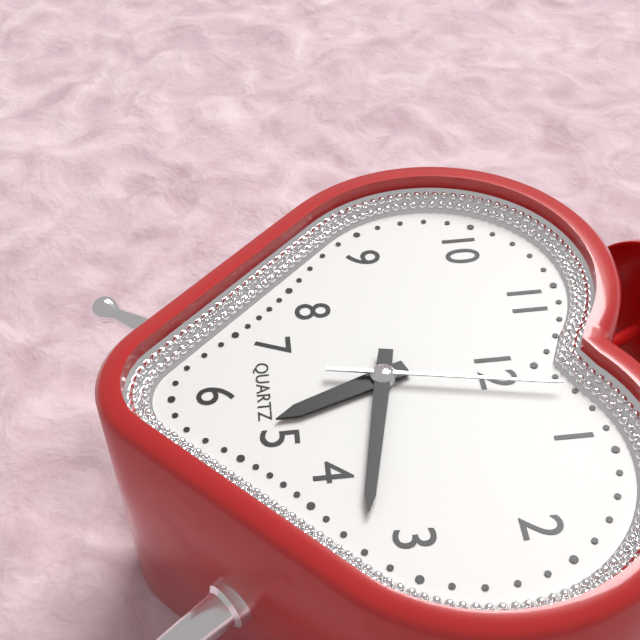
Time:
5.17.02
